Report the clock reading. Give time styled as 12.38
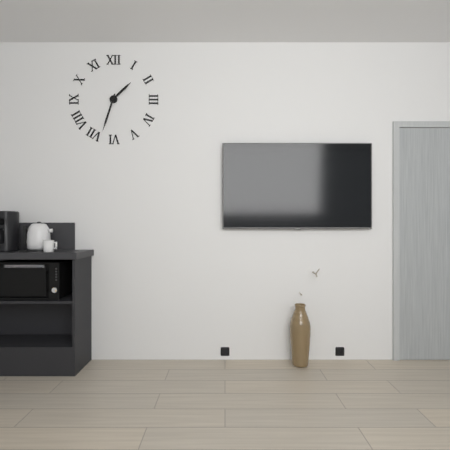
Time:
1.33
